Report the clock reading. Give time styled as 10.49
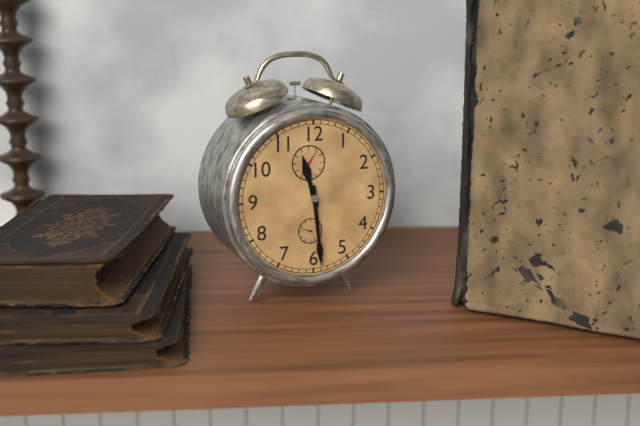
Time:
11.29
